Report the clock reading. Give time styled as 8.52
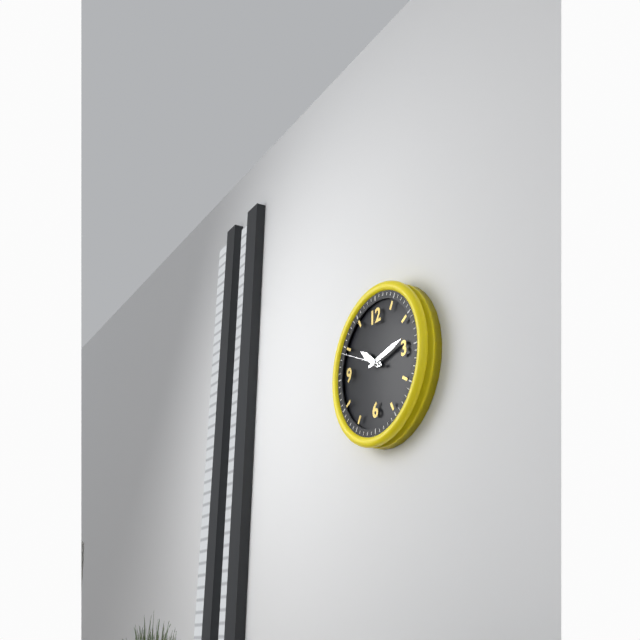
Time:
10.13
